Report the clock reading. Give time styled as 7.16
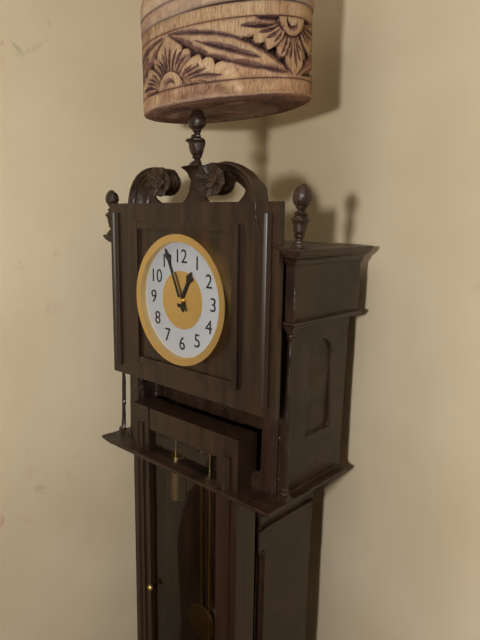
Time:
12.56
